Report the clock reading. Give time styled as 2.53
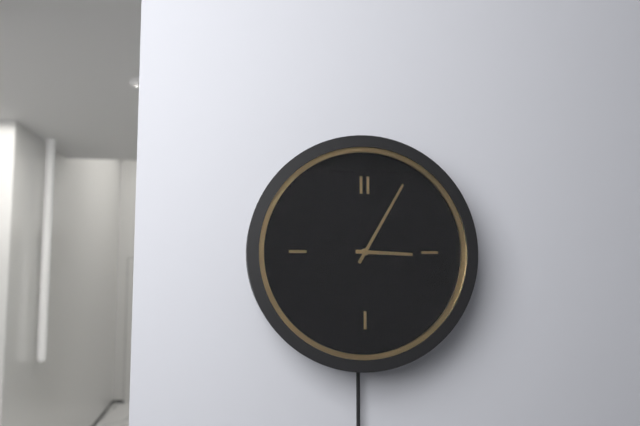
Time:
3.05
